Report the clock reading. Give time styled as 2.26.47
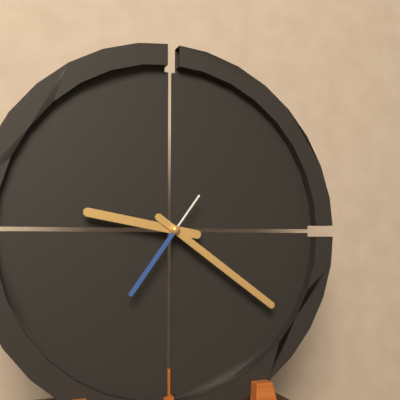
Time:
9.21.36
